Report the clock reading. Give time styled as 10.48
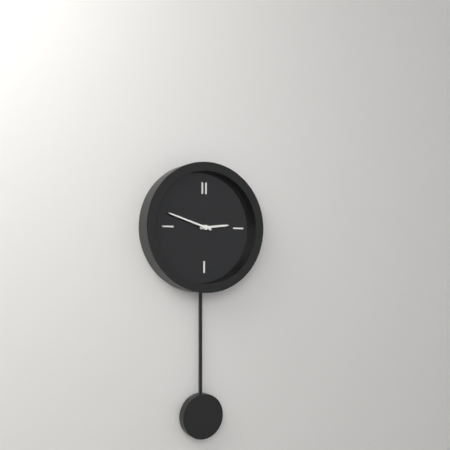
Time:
2.48
